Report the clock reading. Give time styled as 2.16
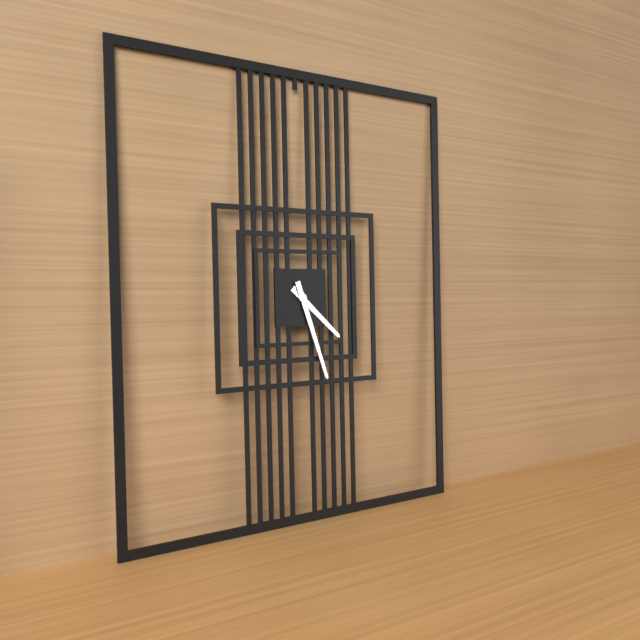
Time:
4.27
